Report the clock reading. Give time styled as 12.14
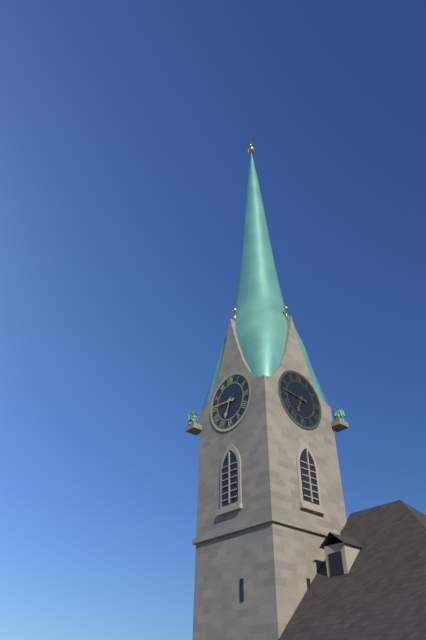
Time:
6.46
